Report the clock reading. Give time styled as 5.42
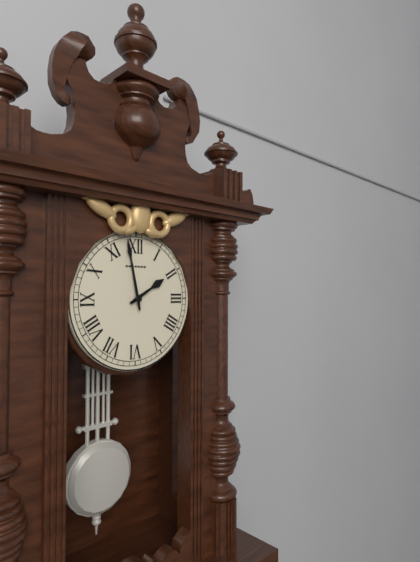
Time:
1.58
